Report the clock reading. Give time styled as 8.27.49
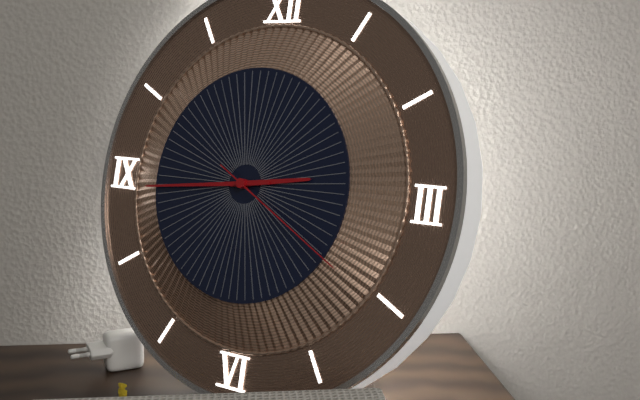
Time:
2.44.20
